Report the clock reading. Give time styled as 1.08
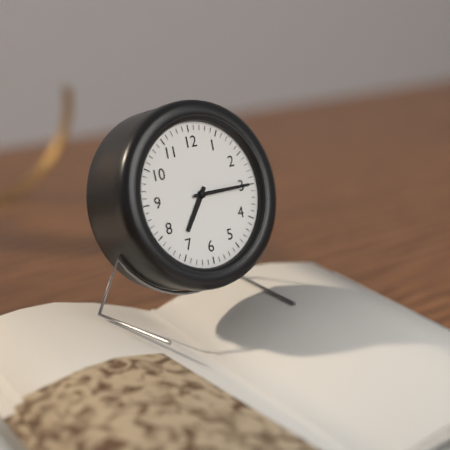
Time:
7.15
